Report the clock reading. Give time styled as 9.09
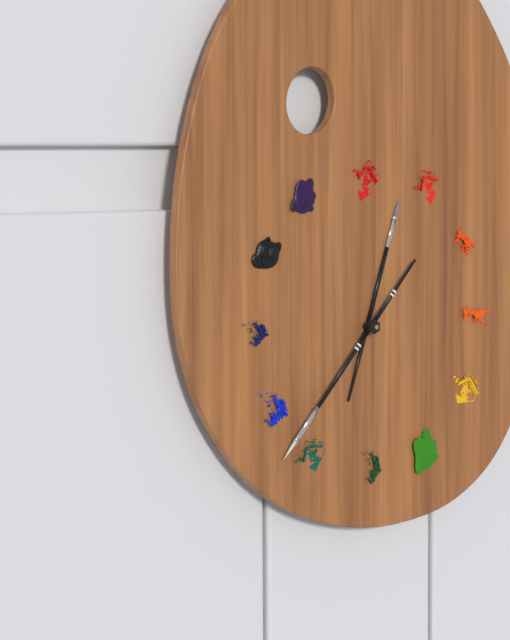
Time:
12.37
